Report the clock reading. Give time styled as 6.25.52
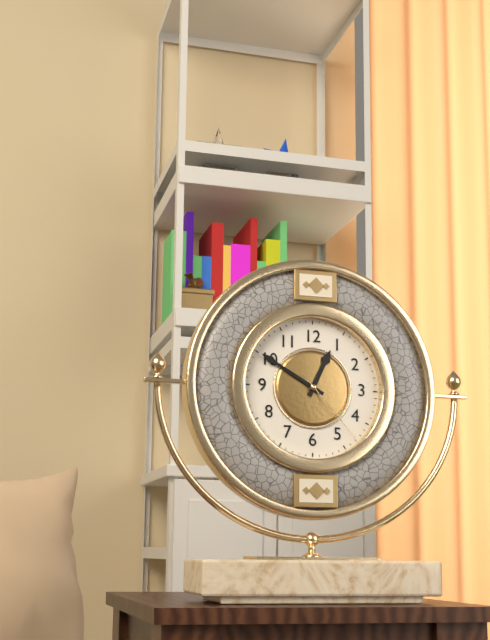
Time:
12.50.23
